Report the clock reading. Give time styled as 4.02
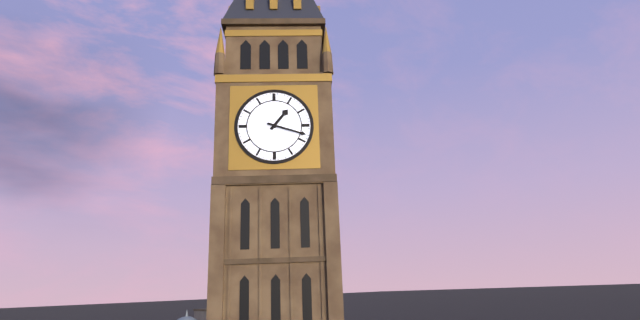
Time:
1.18
